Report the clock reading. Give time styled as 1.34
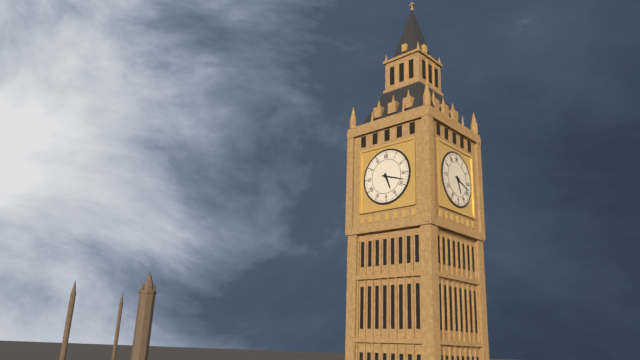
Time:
5.18
